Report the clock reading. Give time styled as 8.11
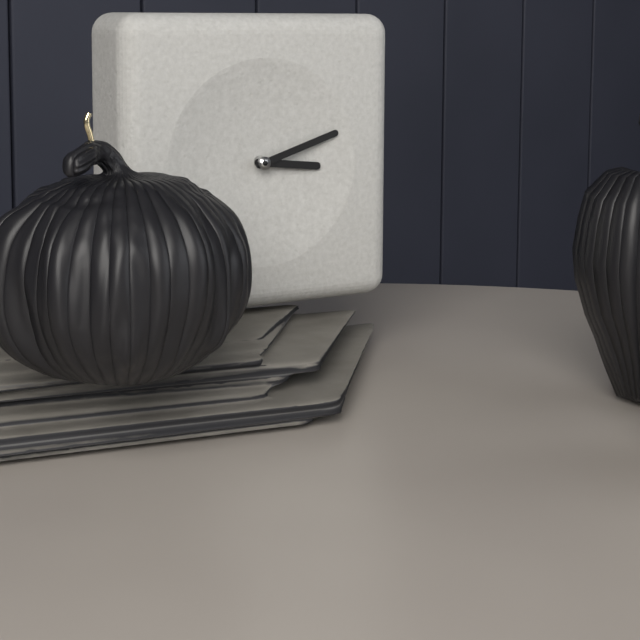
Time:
3.12
